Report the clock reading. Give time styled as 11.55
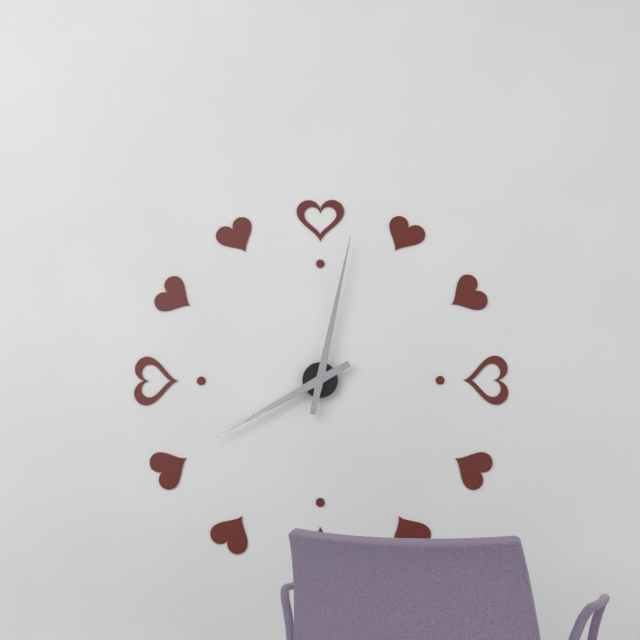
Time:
8.02
